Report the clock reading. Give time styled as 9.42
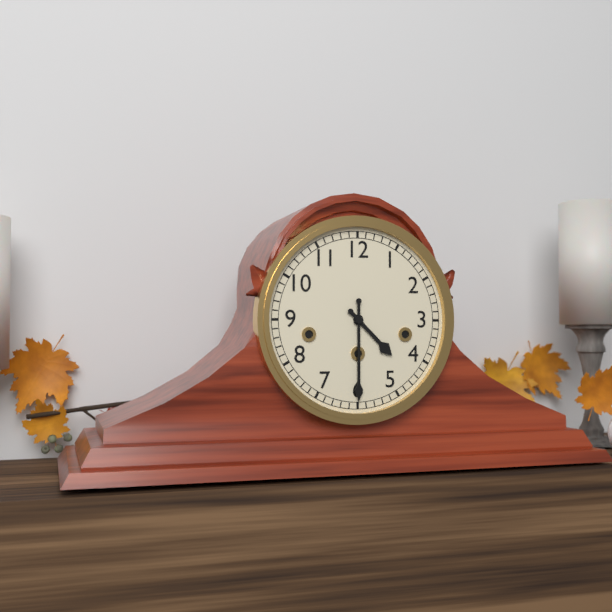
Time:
4.30
